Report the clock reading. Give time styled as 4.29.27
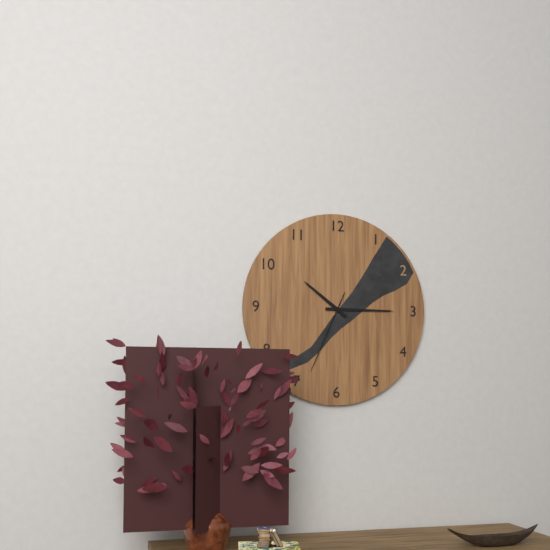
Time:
10.15.34
